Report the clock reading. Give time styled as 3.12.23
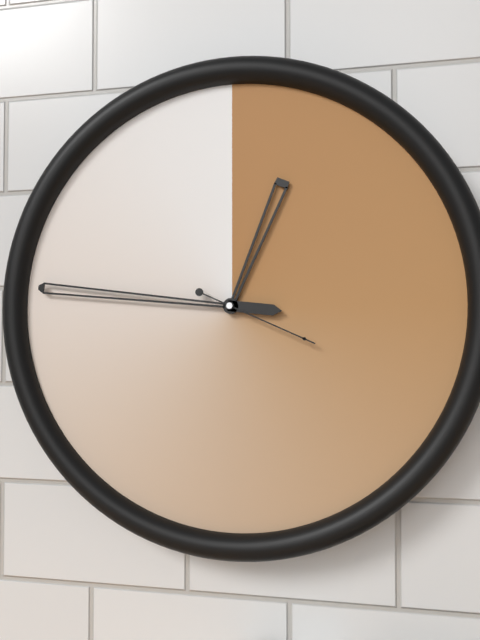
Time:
12.46.19
